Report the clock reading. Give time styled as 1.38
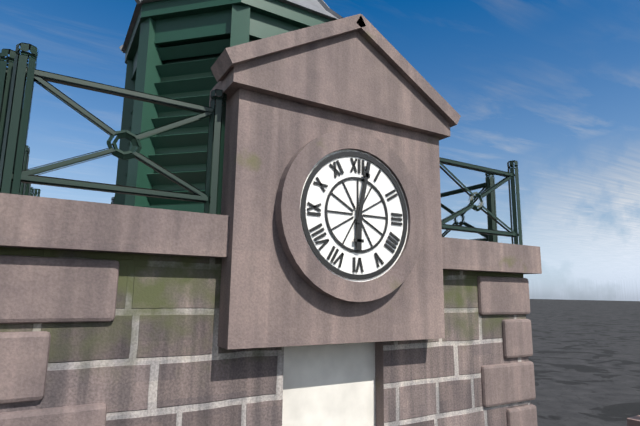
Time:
6.02
